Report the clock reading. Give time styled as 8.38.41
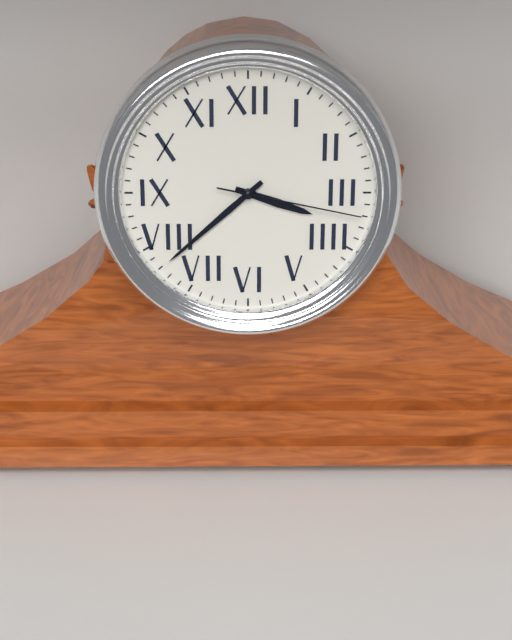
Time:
3.38.17
